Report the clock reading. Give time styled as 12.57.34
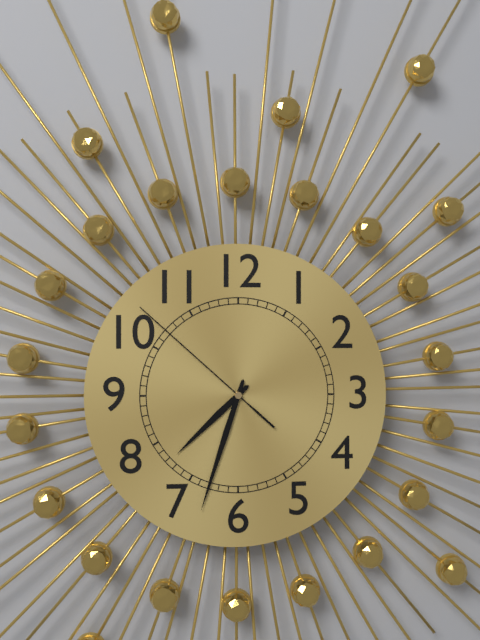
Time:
7.33.52
